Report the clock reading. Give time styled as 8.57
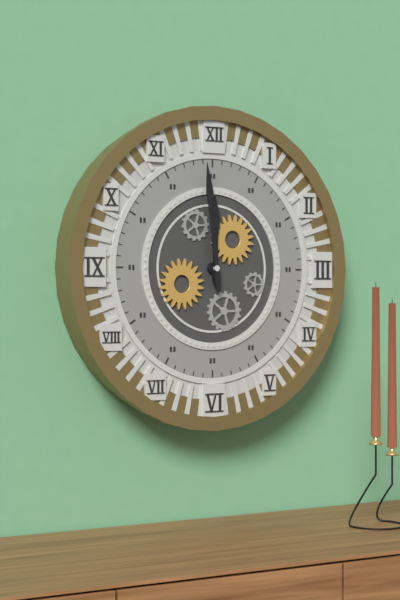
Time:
11.59
